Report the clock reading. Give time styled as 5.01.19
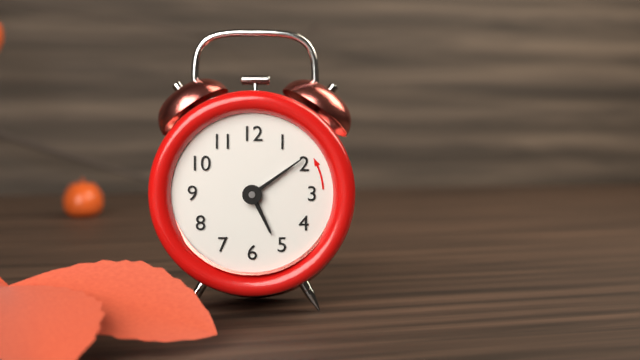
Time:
5.09.09
